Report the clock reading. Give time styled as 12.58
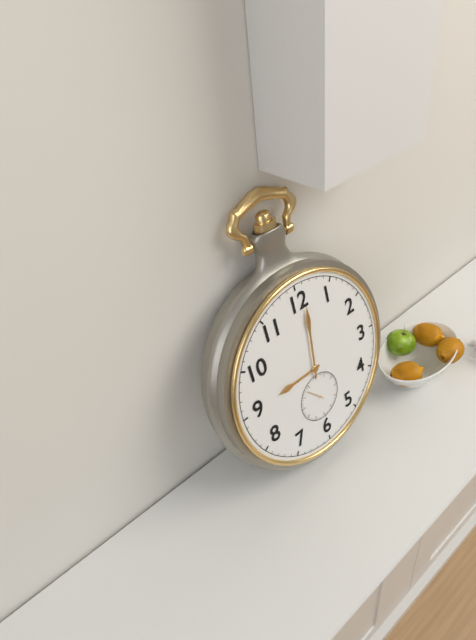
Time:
9.01
